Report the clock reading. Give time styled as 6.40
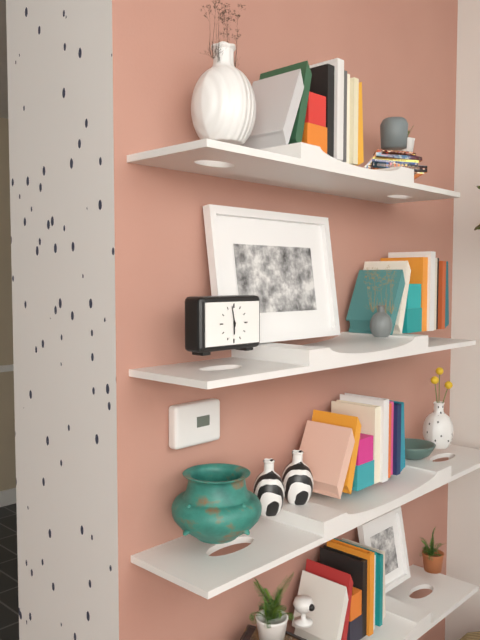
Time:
5.58
